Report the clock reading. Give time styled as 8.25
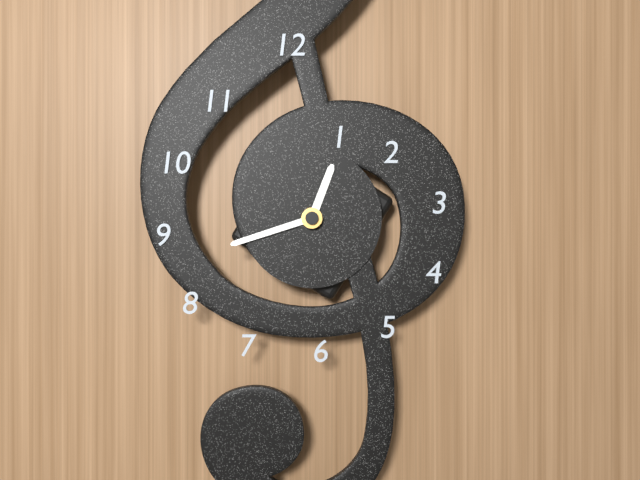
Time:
12.42
